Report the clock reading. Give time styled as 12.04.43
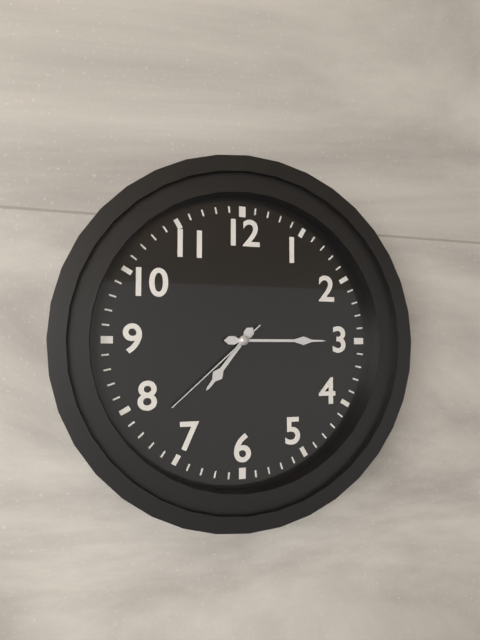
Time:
7.15.38
